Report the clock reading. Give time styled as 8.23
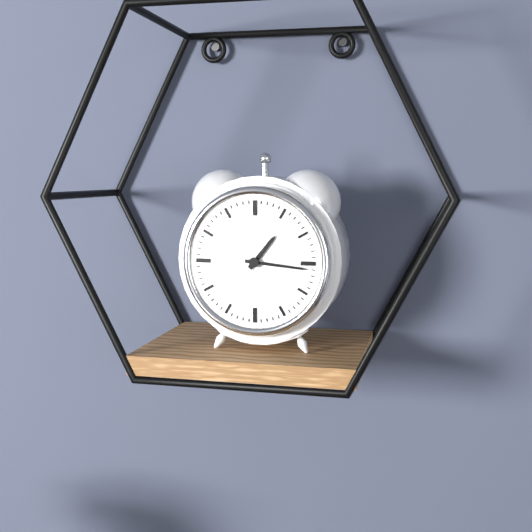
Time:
1.16
